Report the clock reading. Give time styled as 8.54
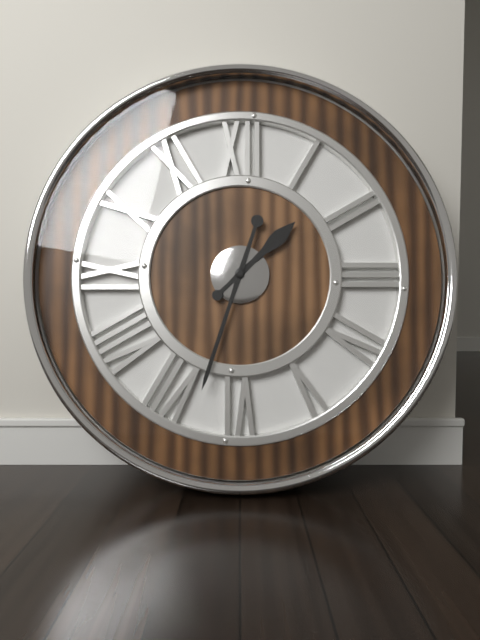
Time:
1.33
